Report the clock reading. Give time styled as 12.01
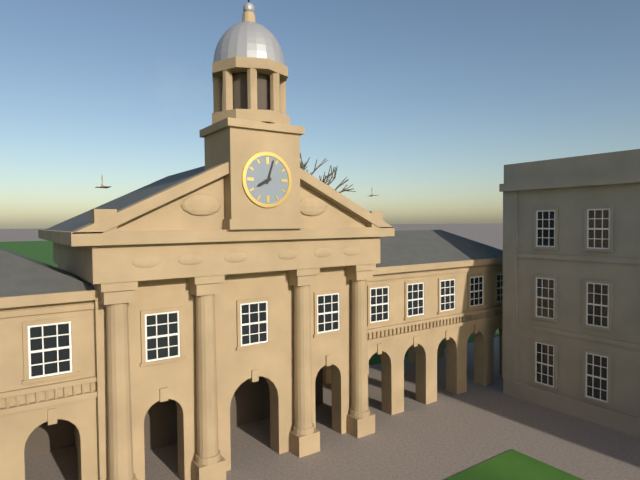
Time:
8.03
